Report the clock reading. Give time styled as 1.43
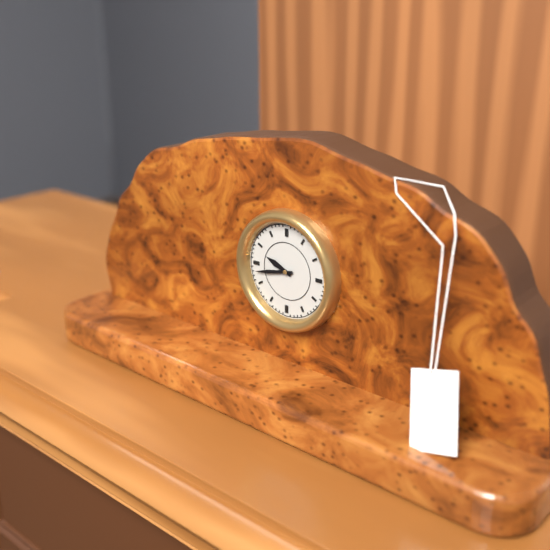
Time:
9.43
